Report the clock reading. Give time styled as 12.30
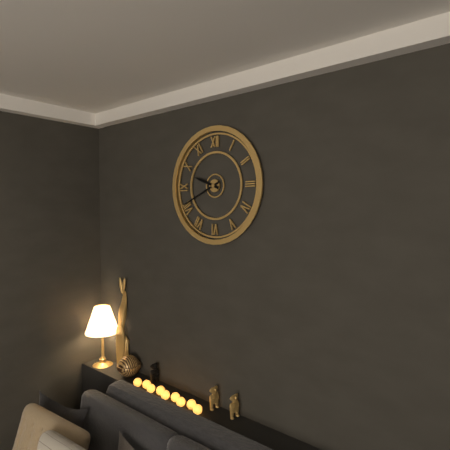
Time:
9.41
